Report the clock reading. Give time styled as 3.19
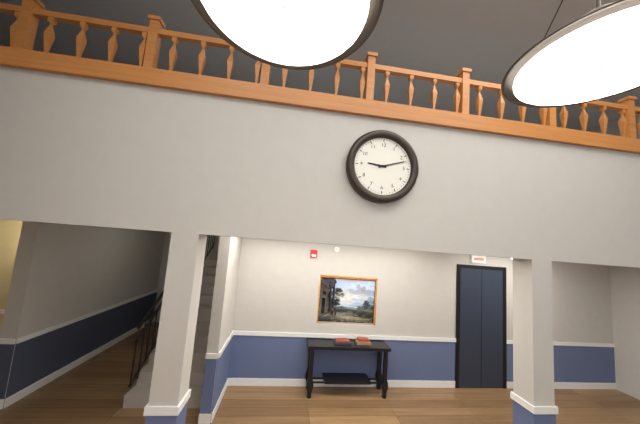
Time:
9.12
